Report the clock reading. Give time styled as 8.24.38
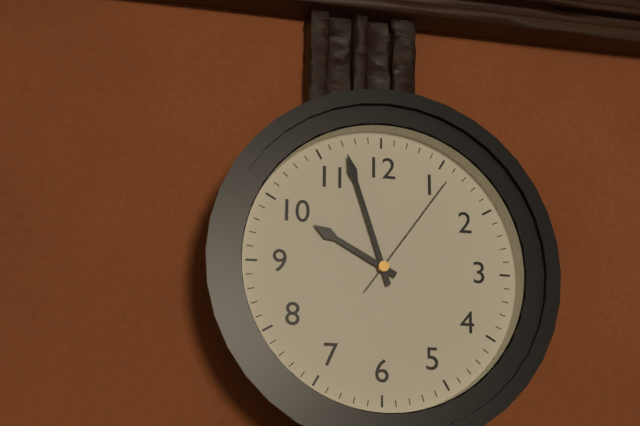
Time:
9.57.06
